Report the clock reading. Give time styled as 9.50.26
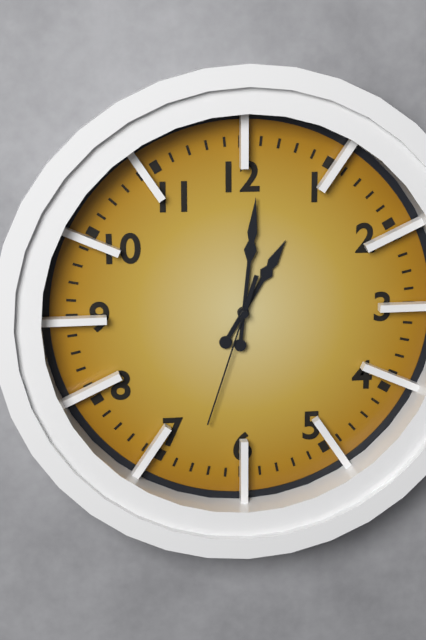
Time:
1.01.33
